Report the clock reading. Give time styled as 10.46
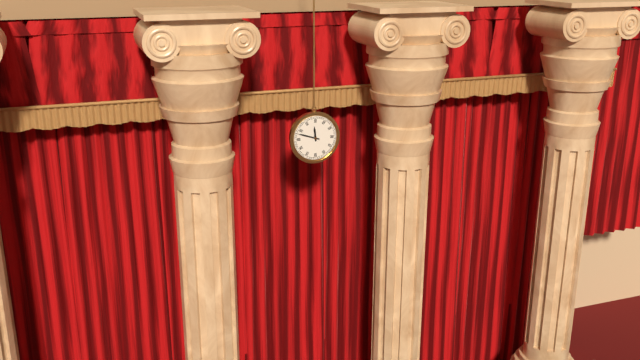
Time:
11.48
